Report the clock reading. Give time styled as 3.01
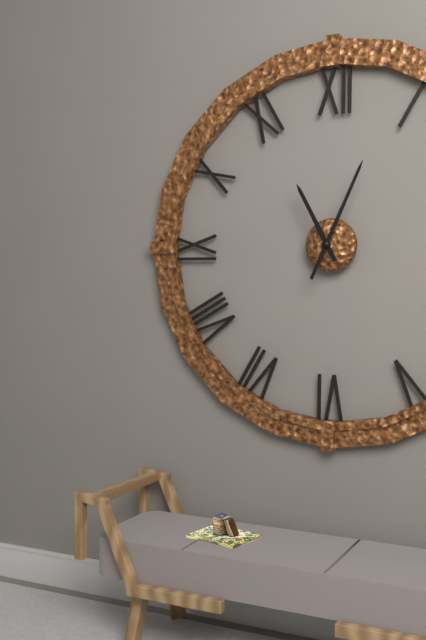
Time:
11.04
